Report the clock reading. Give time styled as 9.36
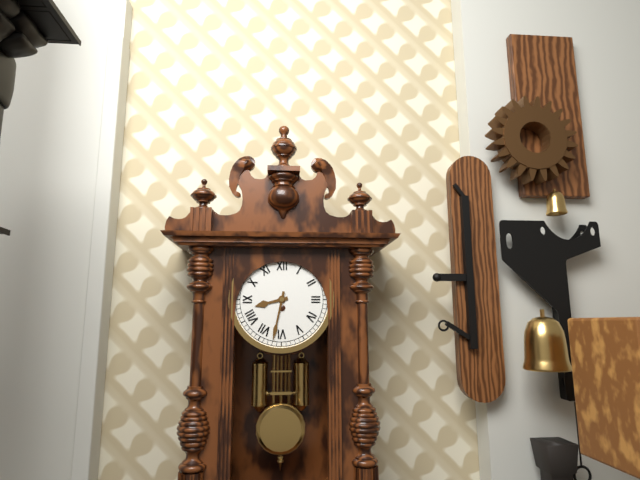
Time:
8.32
